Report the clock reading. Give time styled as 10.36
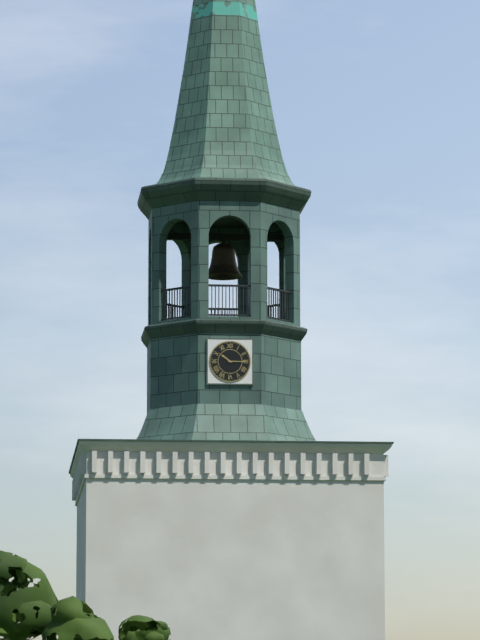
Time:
10.15
